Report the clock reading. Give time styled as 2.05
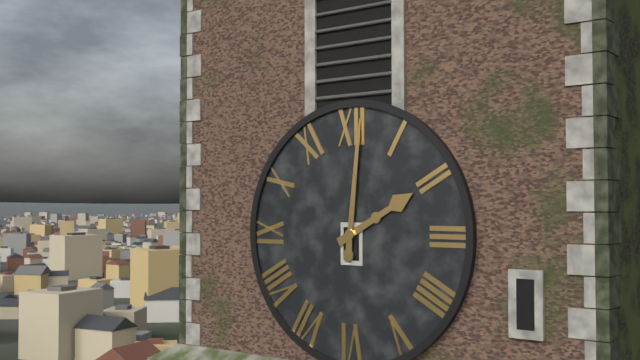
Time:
2.01
